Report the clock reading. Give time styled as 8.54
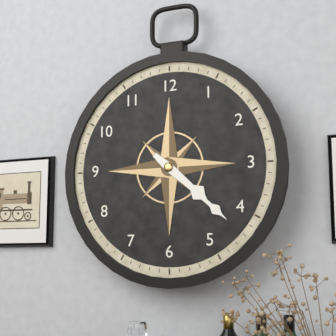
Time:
4.22
